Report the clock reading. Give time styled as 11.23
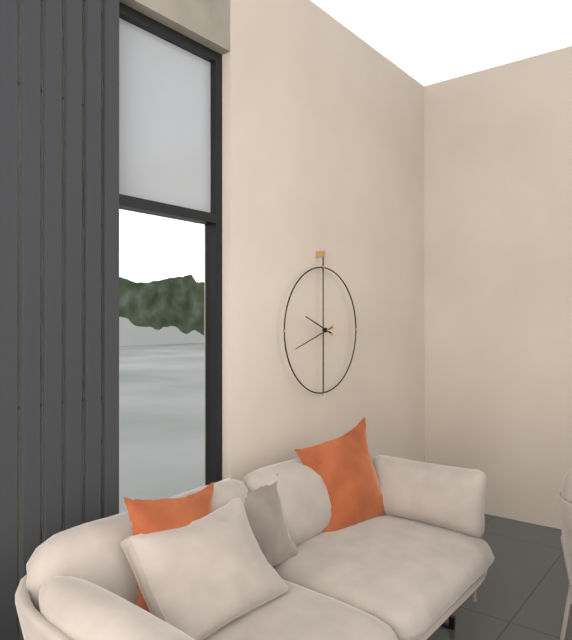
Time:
9.42
